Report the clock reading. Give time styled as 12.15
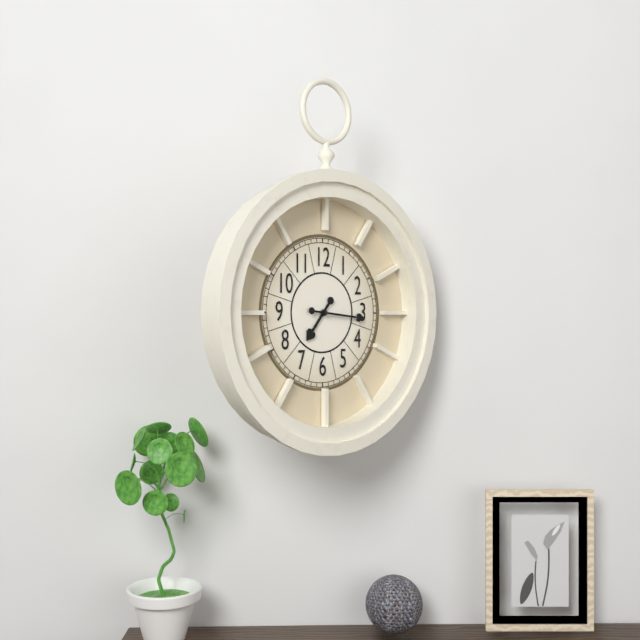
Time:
7.16
